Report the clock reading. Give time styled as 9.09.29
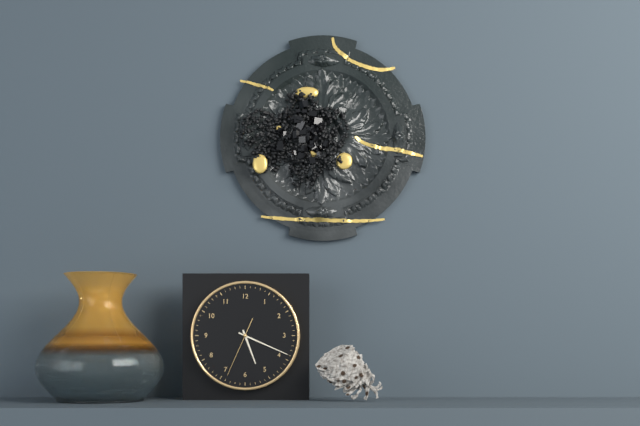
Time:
5.19.34
